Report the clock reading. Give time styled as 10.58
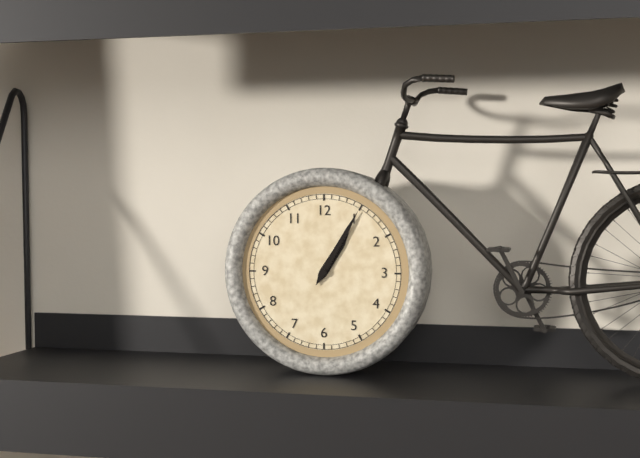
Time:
1.05
